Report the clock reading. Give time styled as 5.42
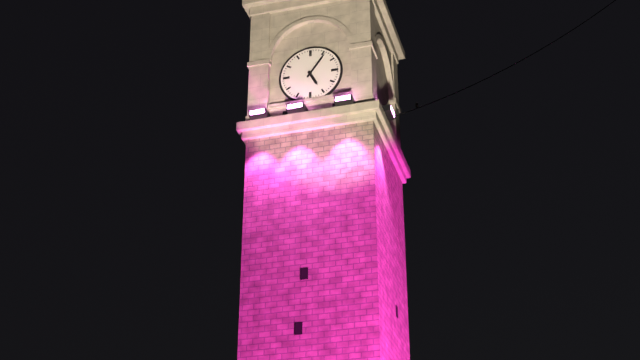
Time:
5.06
